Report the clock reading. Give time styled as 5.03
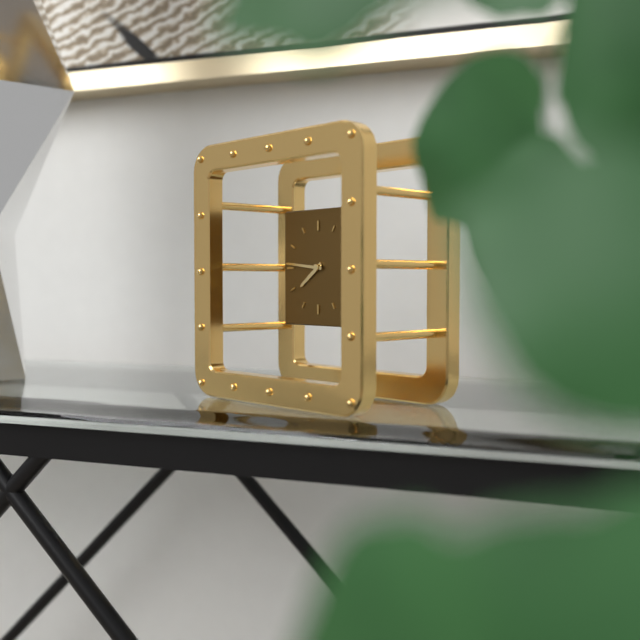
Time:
7.46
